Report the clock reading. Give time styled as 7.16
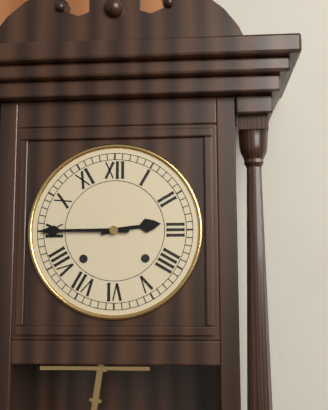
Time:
2.45
